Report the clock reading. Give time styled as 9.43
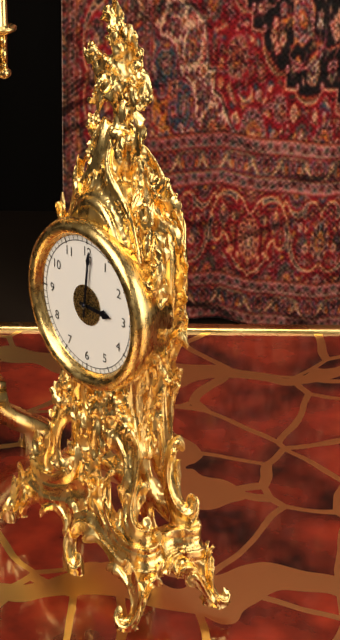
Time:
3.01
